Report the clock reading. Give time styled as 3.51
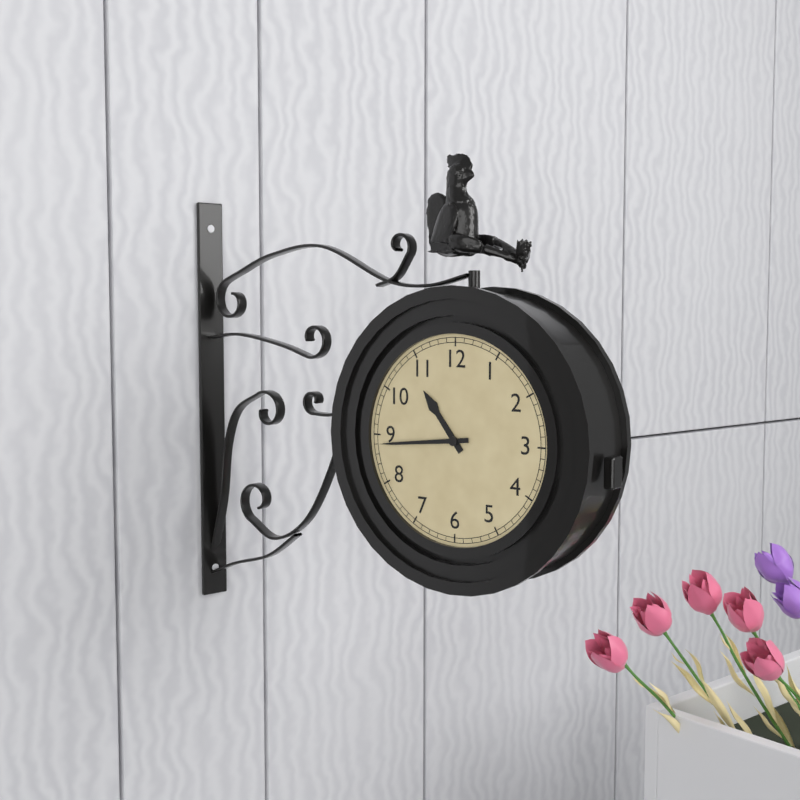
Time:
10.44
